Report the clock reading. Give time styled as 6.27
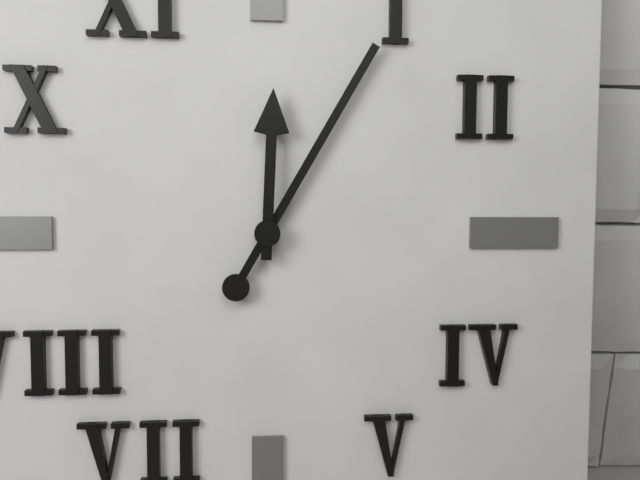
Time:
12.05
